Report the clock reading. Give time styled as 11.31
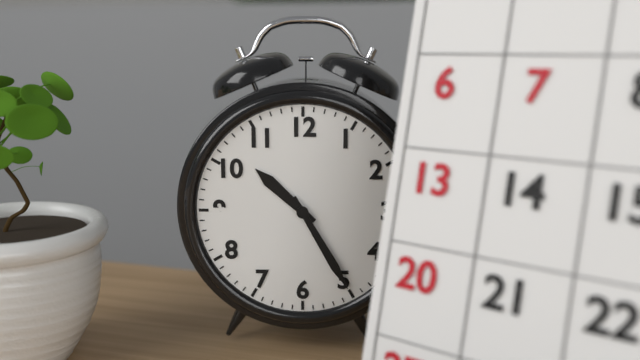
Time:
10.25
